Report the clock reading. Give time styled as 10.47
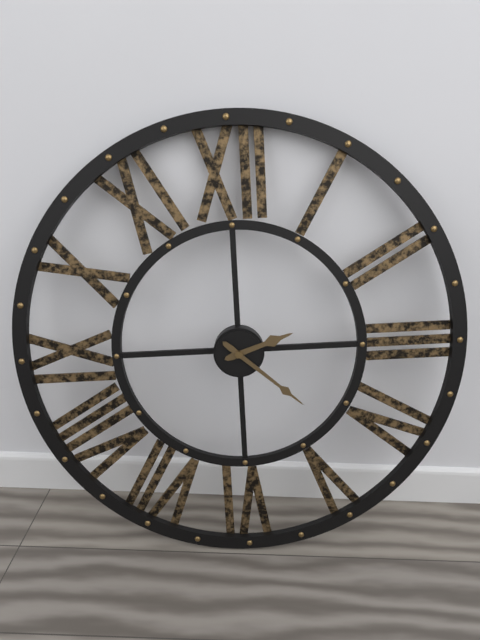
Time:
2.22
